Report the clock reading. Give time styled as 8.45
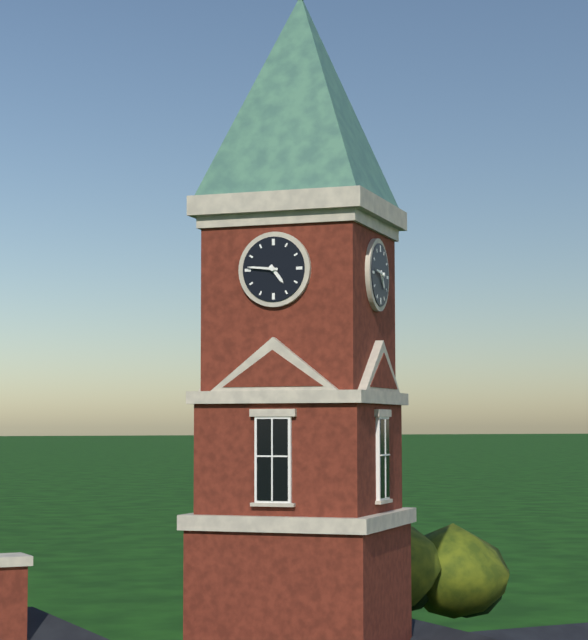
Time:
4.46
